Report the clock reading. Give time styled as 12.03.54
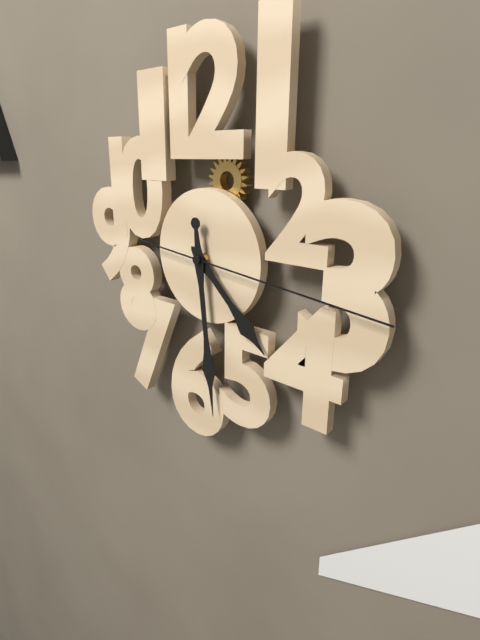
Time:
4.29.16
